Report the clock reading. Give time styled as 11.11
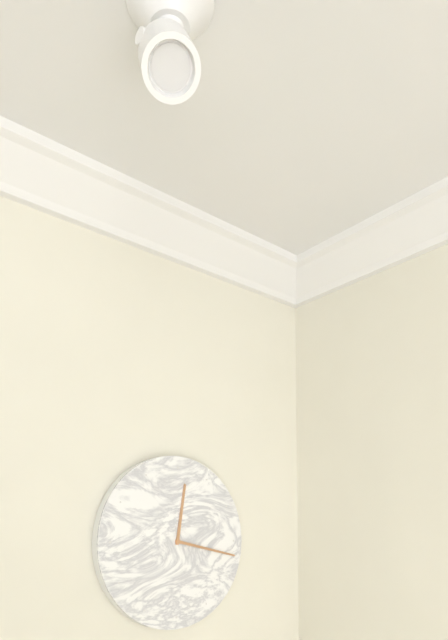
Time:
12.17
